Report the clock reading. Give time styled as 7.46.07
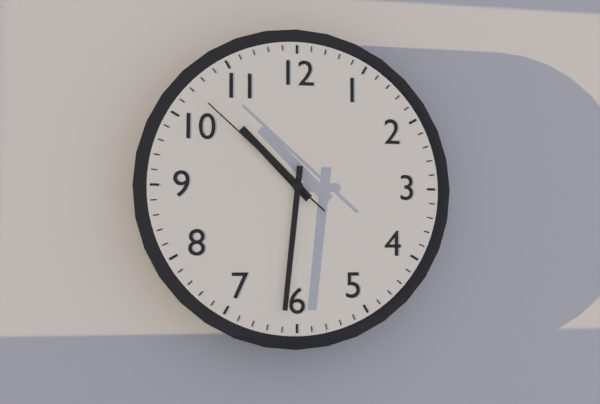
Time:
10.31.52
